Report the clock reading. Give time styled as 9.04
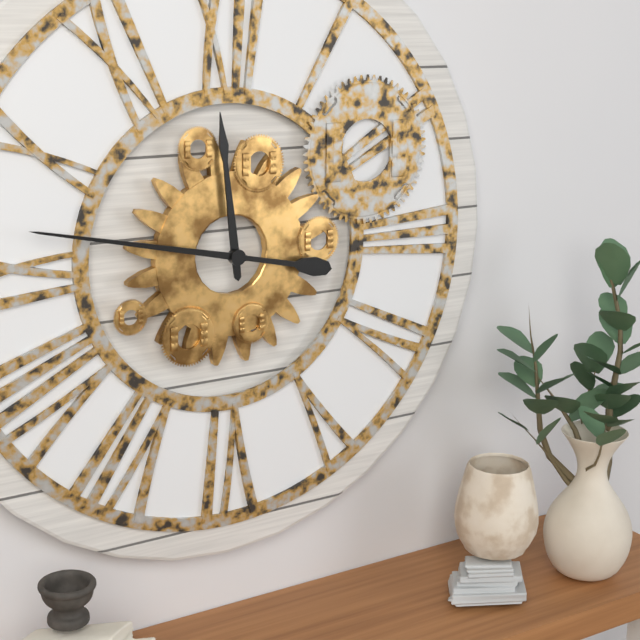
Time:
11.47
